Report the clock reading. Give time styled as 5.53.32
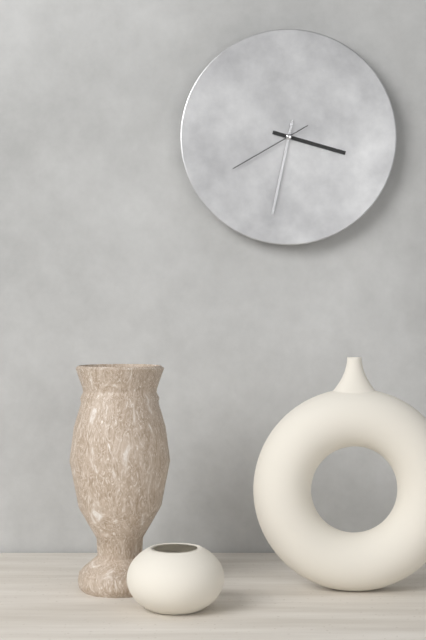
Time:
3.32.40
